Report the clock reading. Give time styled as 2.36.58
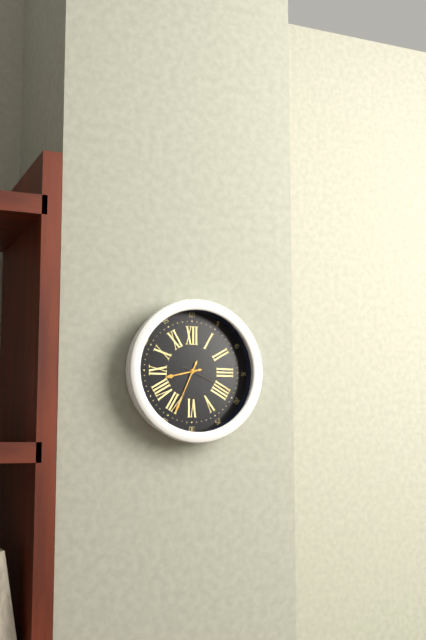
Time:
8.34.19
